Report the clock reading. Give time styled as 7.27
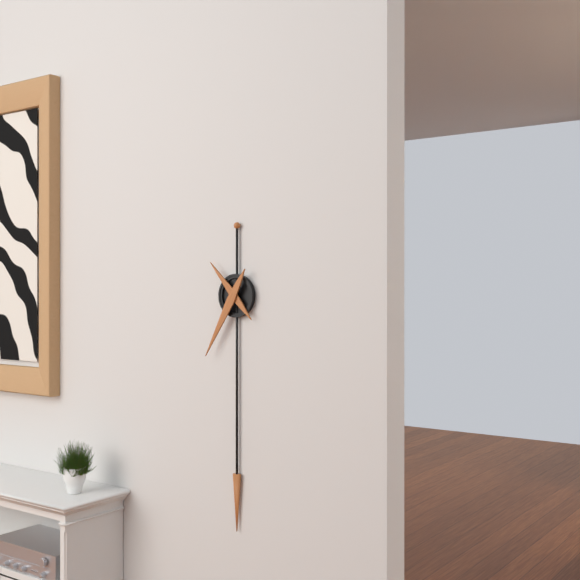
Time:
10.35
